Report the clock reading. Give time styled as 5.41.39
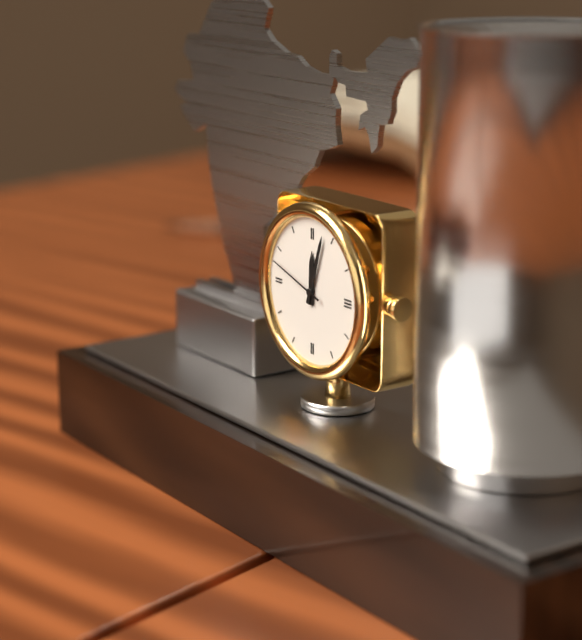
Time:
12.03.48
